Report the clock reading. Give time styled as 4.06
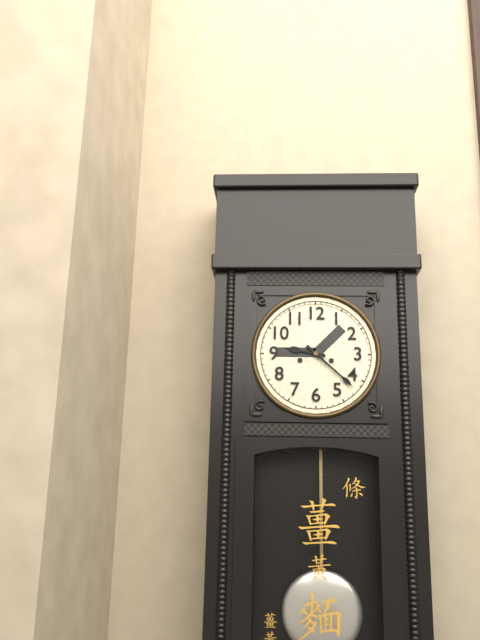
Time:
9.22
